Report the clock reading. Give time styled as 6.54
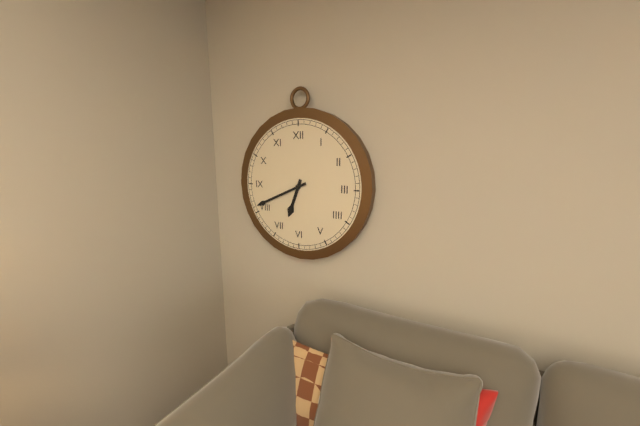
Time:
6.41
